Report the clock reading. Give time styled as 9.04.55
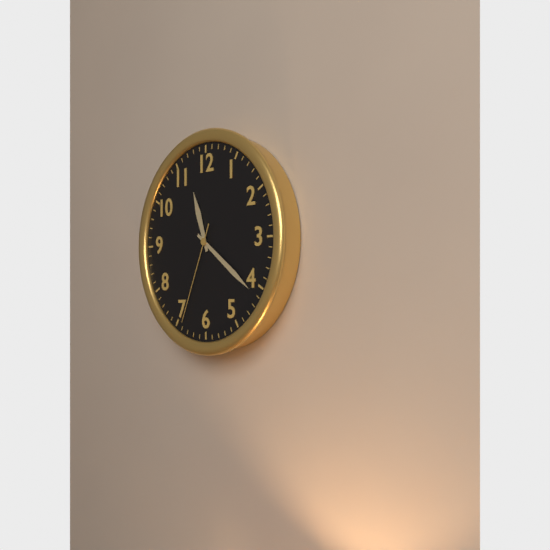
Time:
11.21.34
